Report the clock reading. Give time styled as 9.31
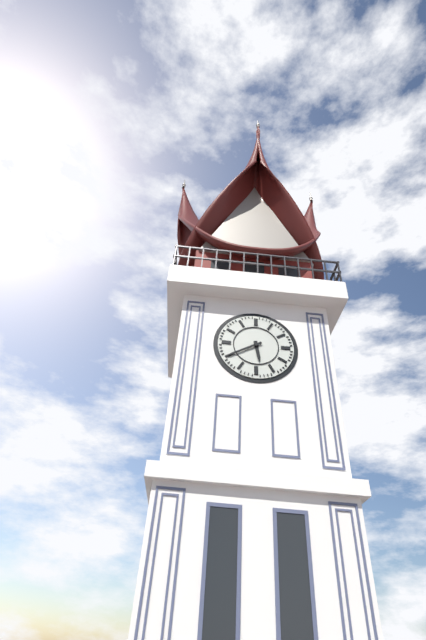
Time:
5.40
